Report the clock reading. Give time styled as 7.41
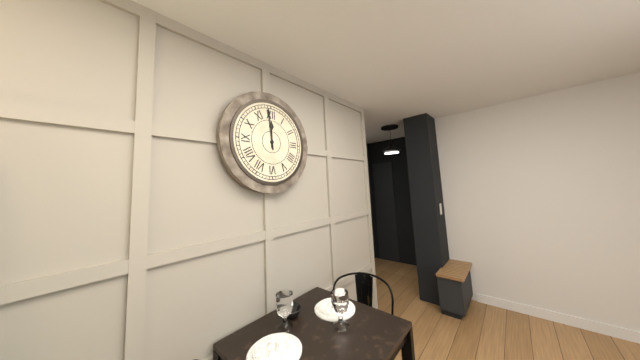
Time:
11.59
